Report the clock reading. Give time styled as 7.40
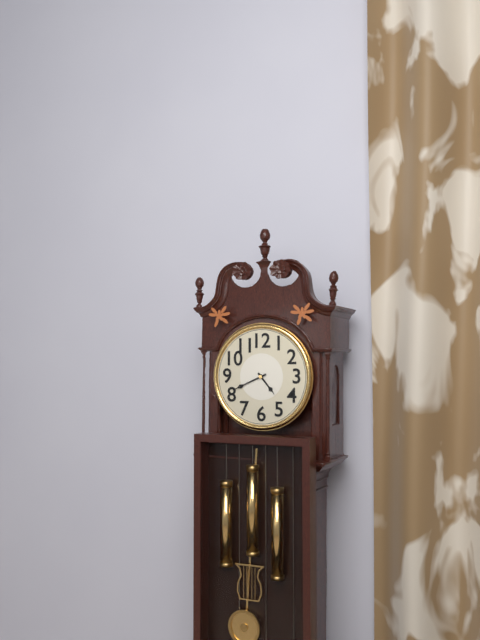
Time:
4.41
